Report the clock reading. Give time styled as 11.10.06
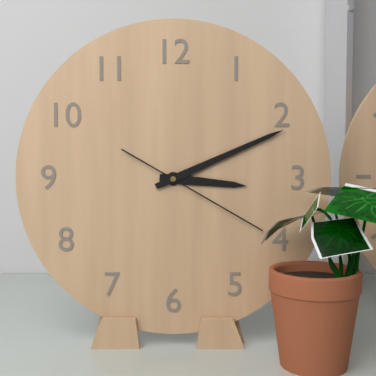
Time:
3.11.20
